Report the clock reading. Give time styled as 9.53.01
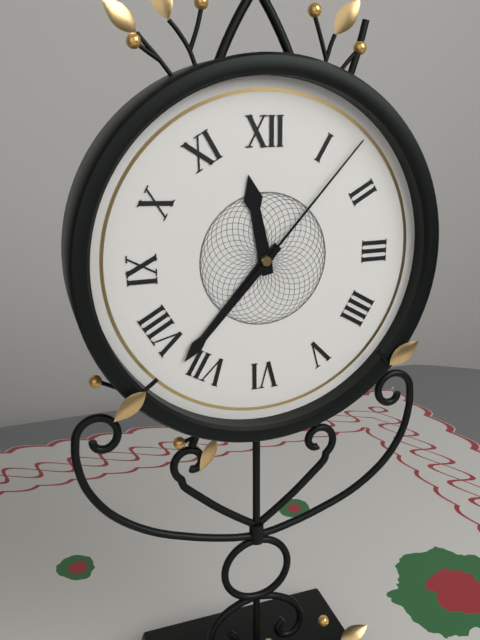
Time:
11.37.07
